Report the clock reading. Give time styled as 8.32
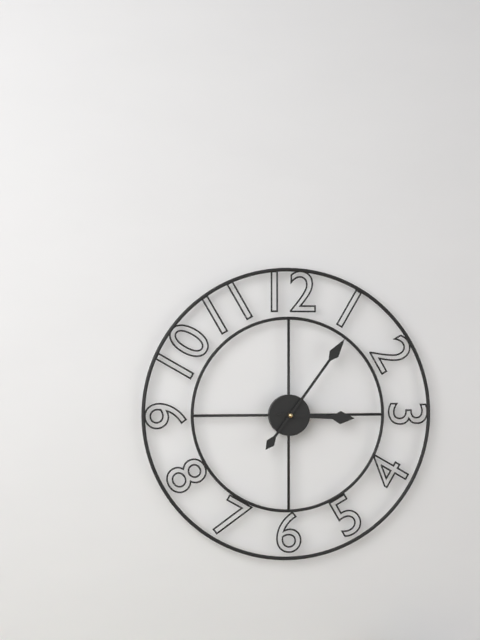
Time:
3.06
